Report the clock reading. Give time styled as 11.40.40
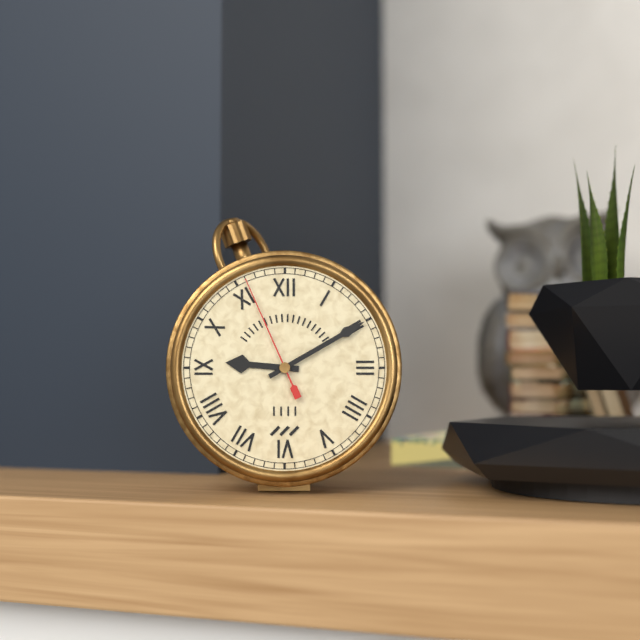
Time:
9.10.56
